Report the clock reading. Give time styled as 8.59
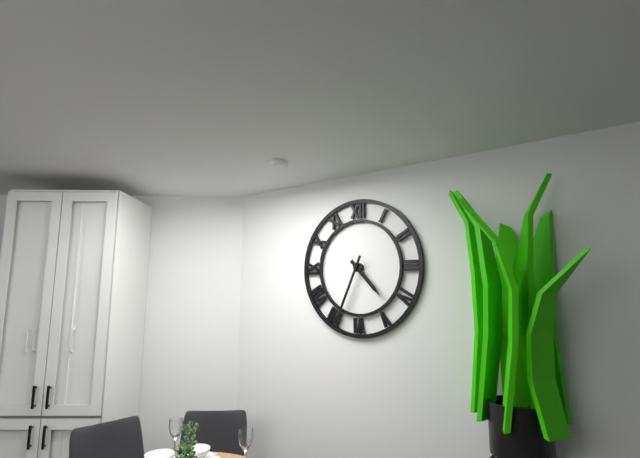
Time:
4.34
